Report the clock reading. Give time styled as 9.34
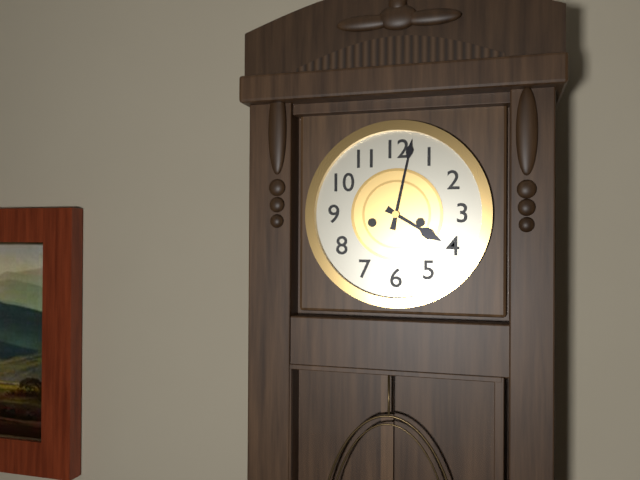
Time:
4.02
